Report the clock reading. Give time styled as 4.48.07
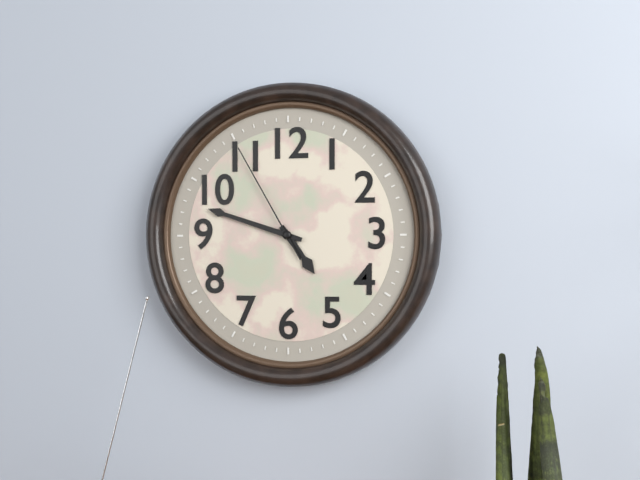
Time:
4.48.55
